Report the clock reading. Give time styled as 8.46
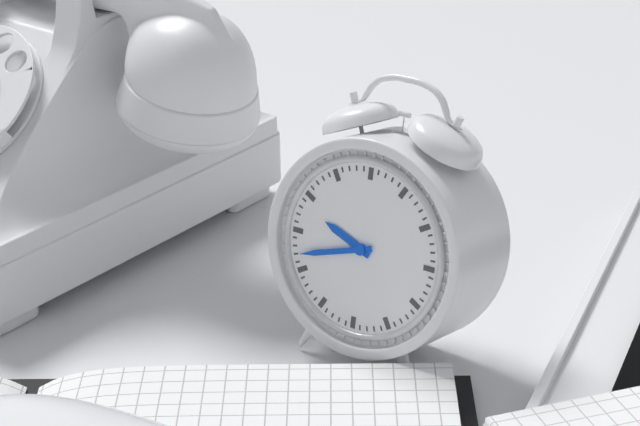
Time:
9.42
